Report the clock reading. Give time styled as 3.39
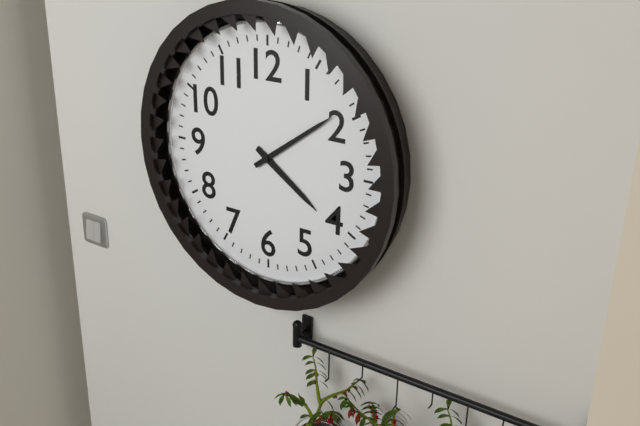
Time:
4.09
